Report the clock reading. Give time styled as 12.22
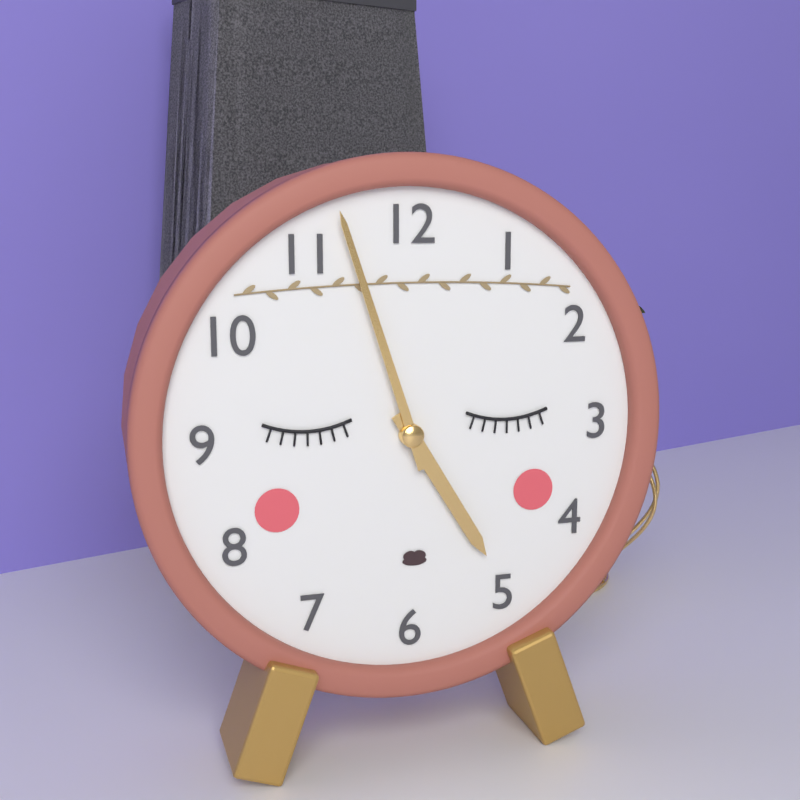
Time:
4.57
